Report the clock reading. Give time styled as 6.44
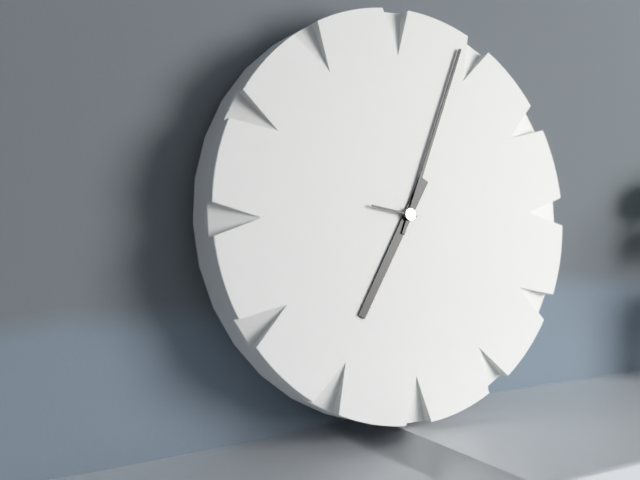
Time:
7.04
